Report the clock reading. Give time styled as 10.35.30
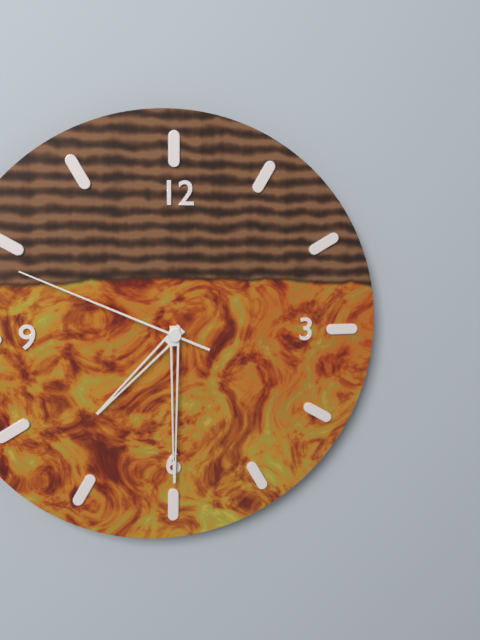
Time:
7.30.49
